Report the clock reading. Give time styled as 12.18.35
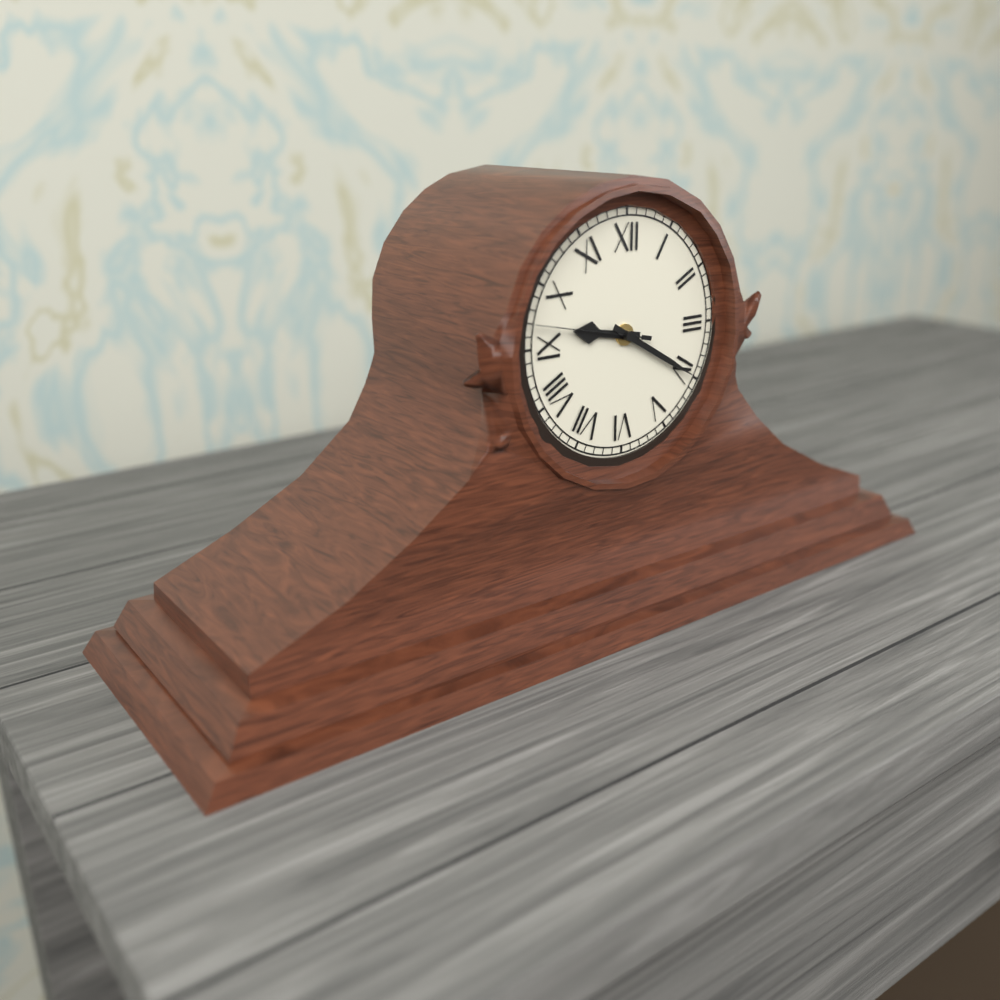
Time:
9.20.47
